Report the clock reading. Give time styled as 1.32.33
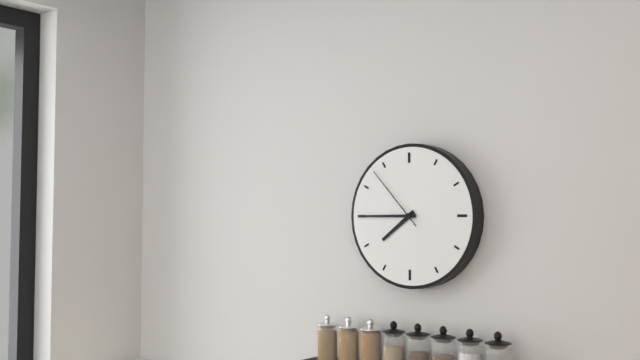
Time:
7.45.53
